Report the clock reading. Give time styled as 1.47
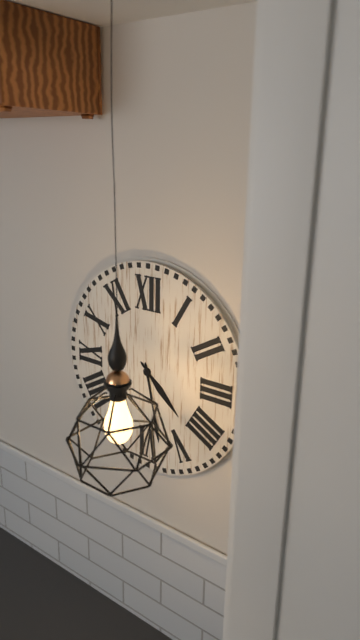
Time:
4.28
